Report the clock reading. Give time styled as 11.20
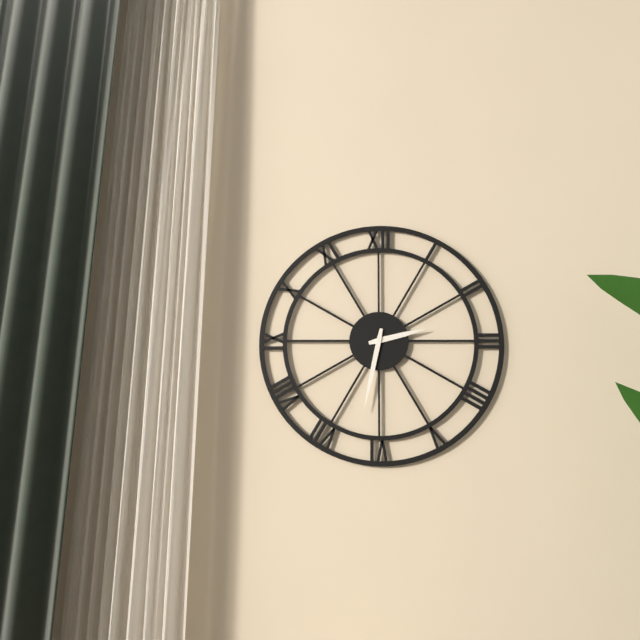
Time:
2.32
